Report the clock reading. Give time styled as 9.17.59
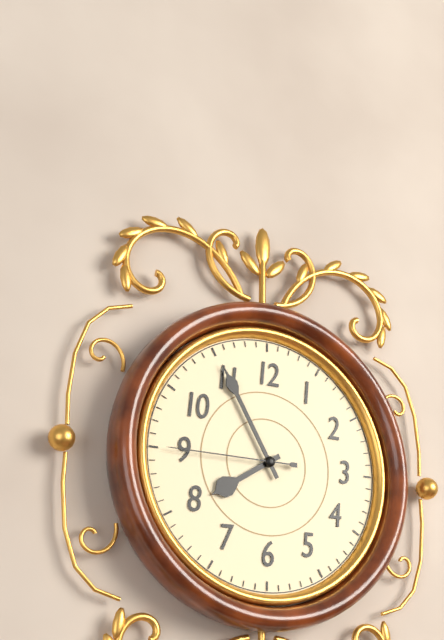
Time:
7.55.45
